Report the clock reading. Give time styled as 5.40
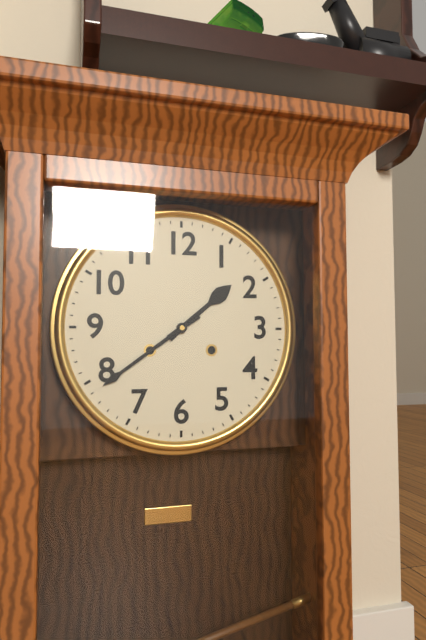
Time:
1.39
